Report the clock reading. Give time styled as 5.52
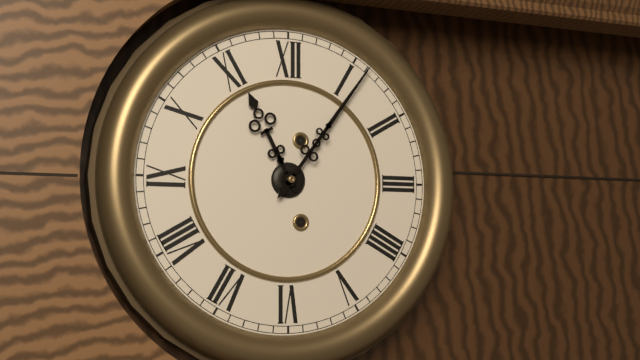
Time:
11.06
